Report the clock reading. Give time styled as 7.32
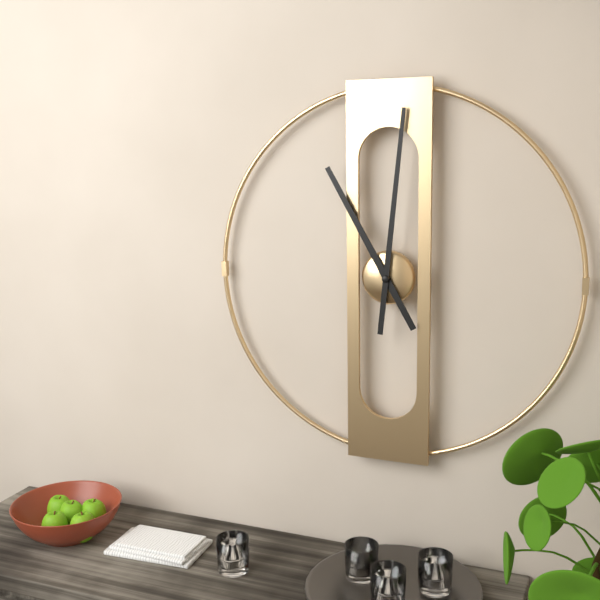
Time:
11.01
